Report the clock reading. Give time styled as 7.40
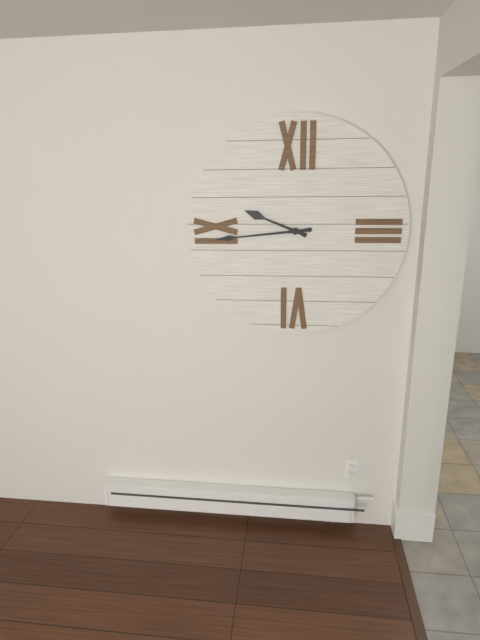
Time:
9.44
